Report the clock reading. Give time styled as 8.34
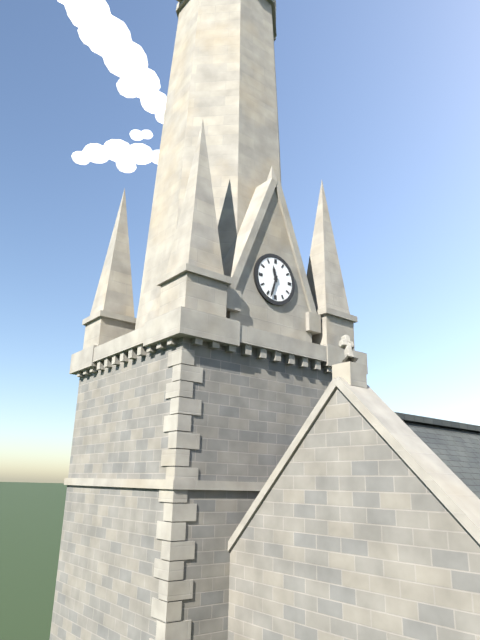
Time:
11.33
